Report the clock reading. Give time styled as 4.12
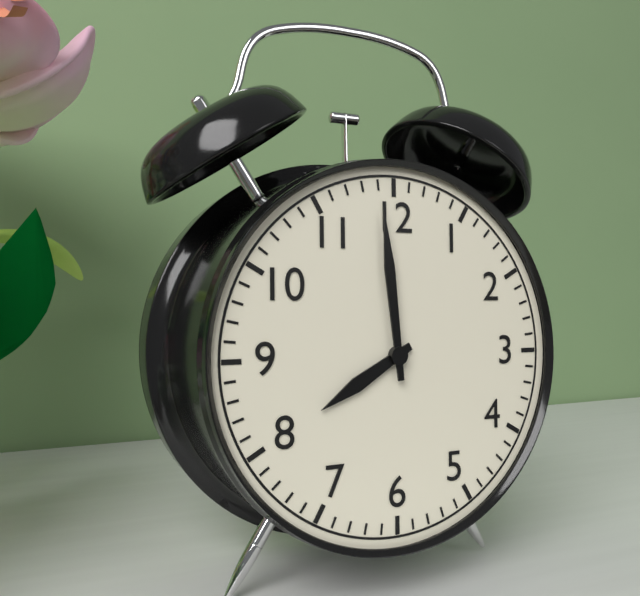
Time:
7.59
